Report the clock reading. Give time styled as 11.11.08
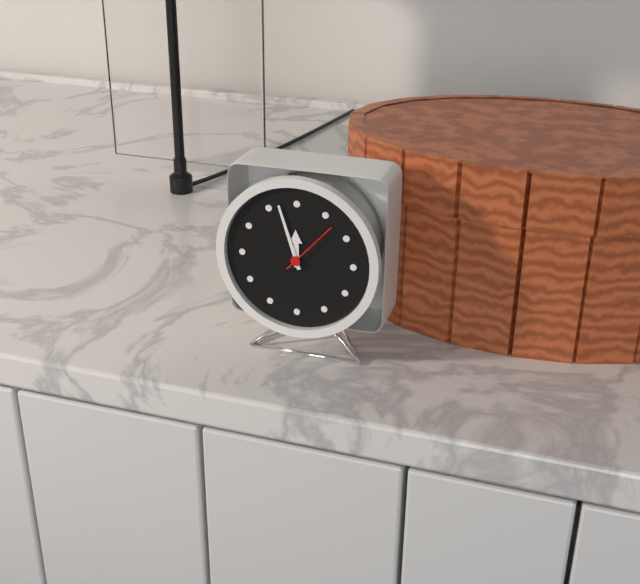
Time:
11.57.07
